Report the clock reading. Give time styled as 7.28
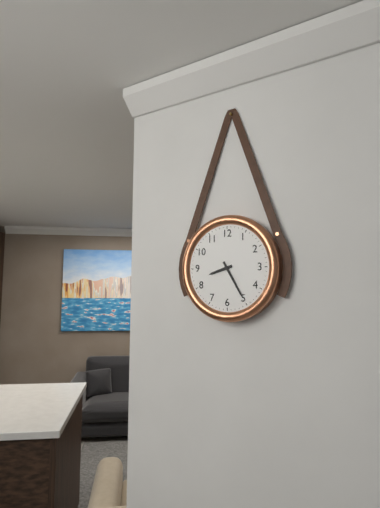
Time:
8.25
